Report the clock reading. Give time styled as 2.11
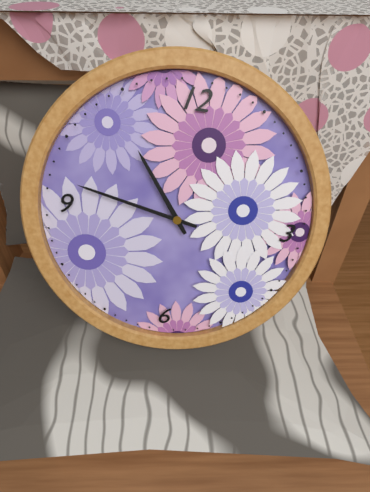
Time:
10.47
